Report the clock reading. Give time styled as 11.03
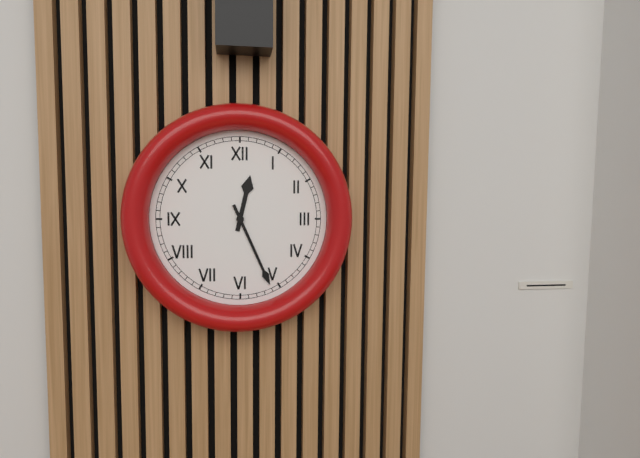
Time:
12.26
